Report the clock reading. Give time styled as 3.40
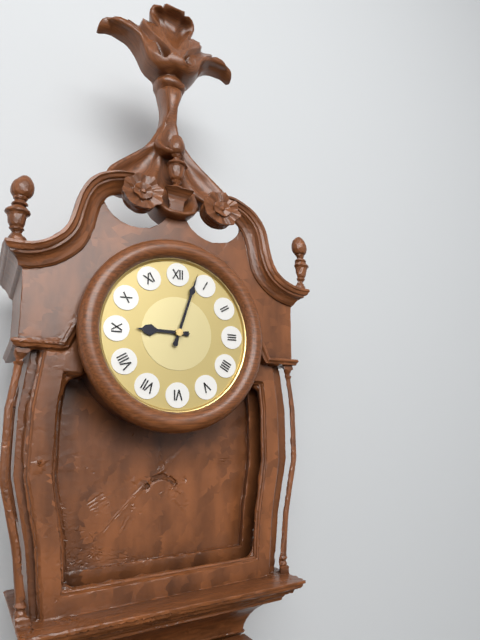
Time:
9.03
